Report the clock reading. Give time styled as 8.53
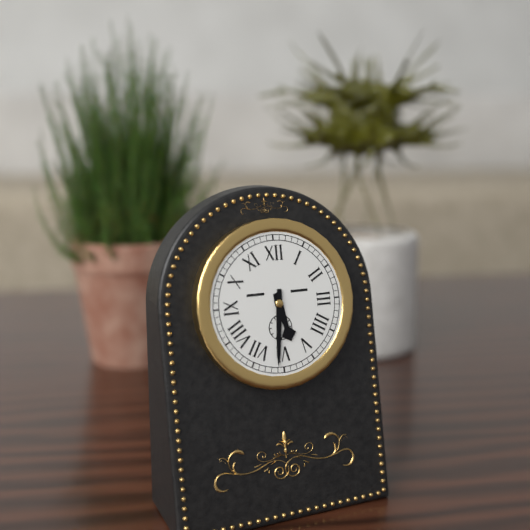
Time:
5.31
